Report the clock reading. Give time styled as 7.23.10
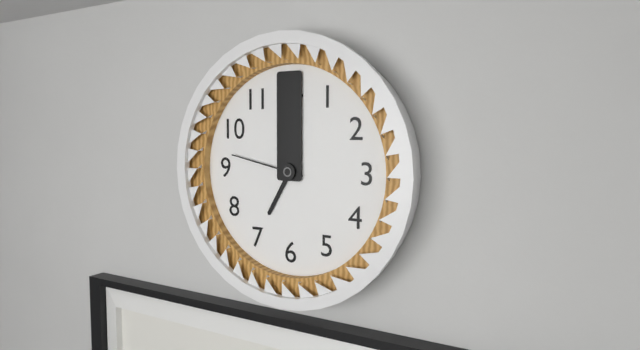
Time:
7.00.47
